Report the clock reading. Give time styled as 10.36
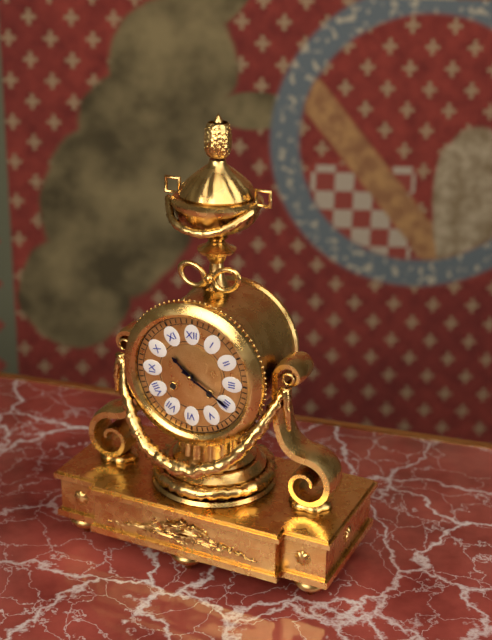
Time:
10.20
